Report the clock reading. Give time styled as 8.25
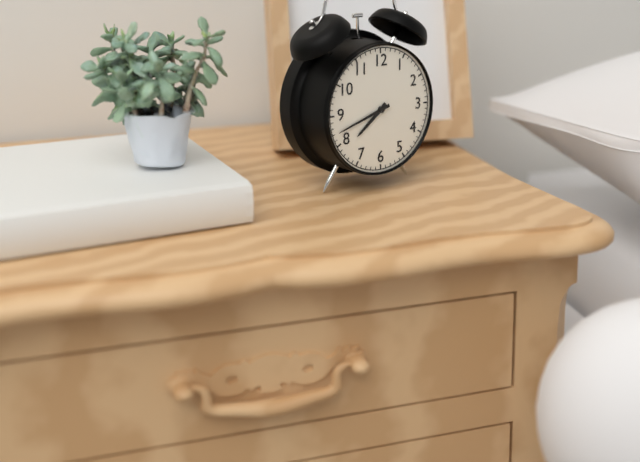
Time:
7.42
